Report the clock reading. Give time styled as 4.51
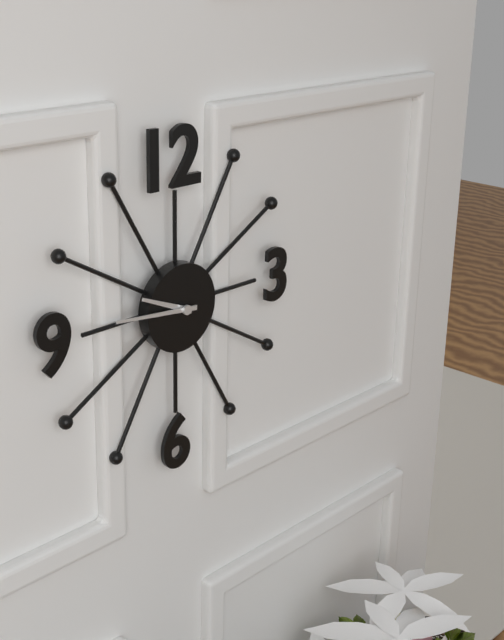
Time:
9.46
